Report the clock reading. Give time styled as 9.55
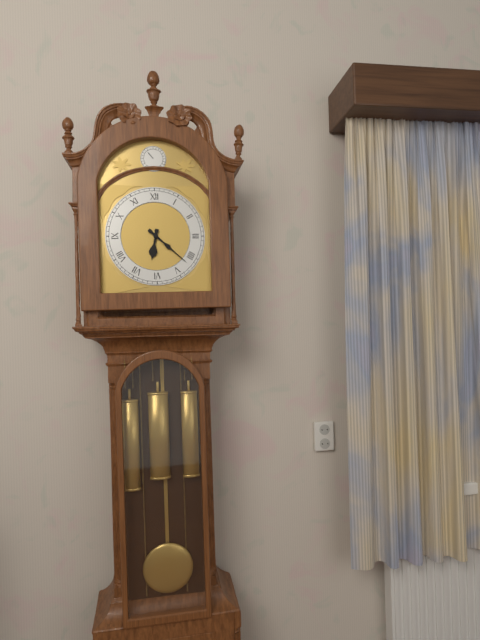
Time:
6.22
